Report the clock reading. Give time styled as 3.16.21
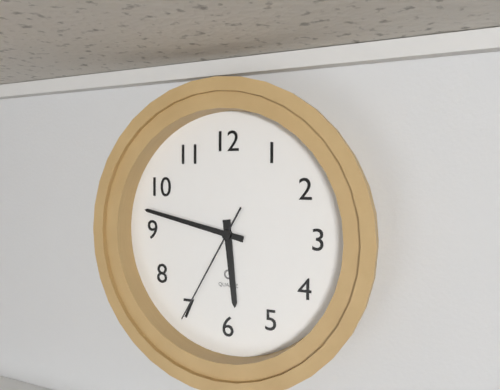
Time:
5.47.35
